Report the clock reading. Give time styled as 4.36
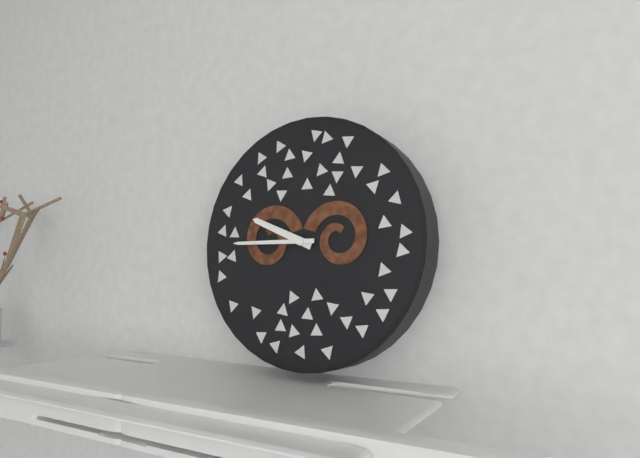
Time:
9.45
